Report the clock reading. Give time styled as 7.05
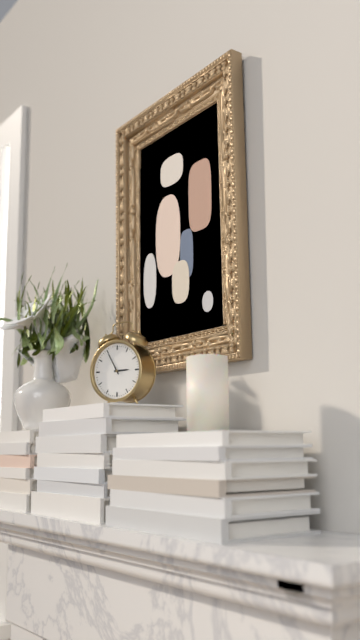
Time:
2.55
